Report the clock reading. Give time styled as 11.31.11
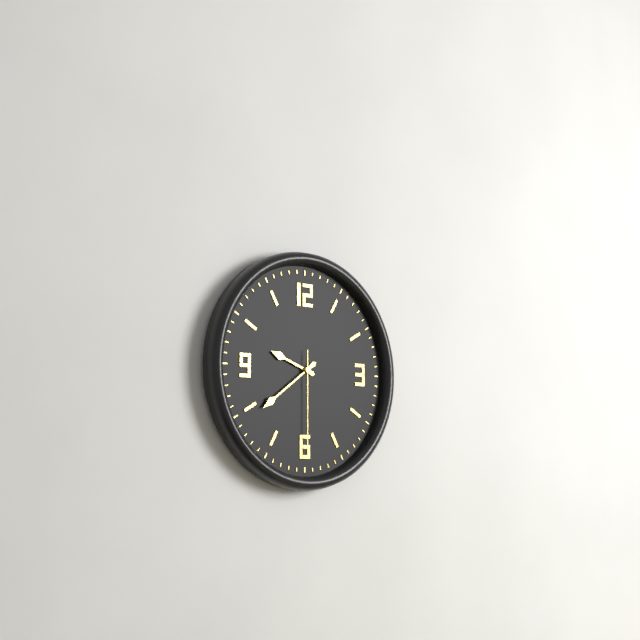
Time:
9.39.30
